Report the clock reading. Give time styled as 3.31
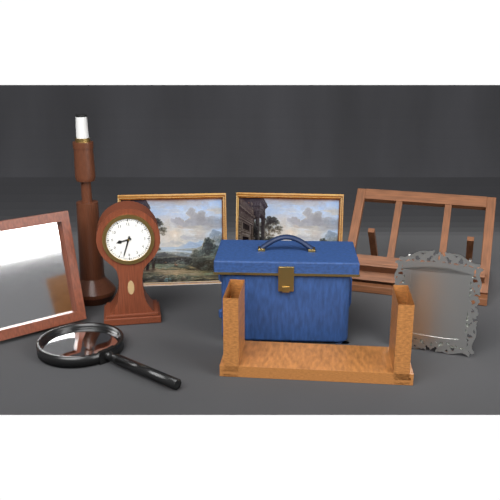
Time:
8.33
